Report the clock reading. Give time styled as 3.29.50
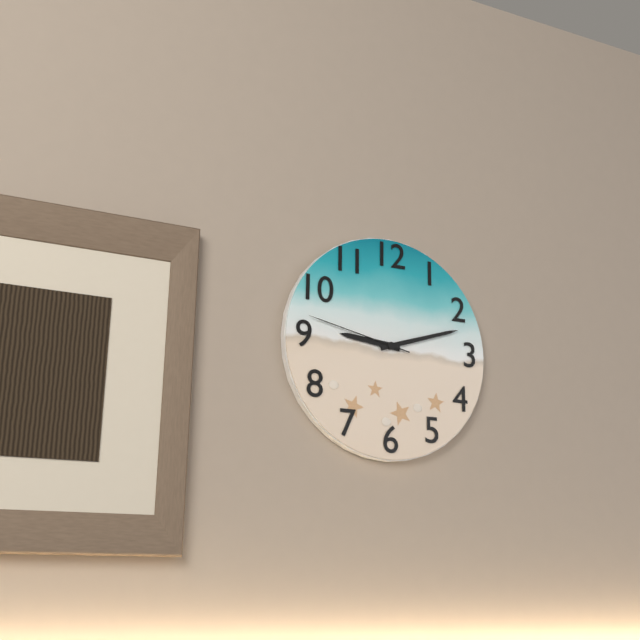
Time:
9.12.47
